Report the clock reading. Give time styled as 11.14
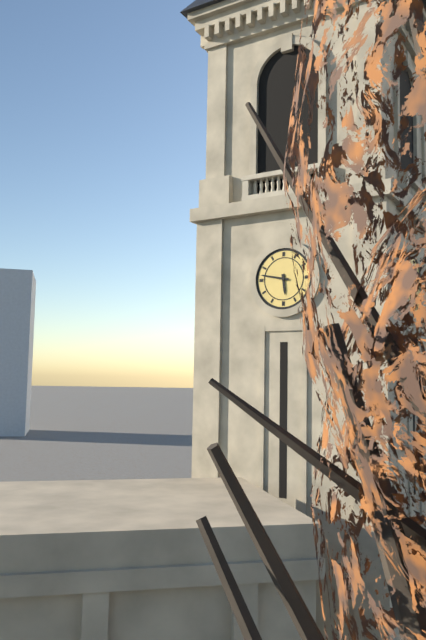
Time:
5.47
